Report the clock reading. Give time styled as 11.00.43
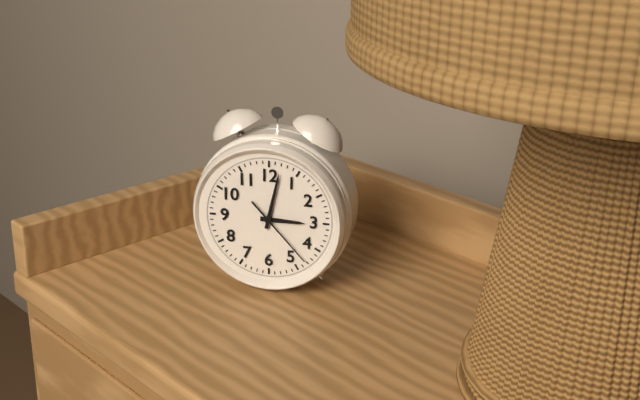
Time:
3.02.23
